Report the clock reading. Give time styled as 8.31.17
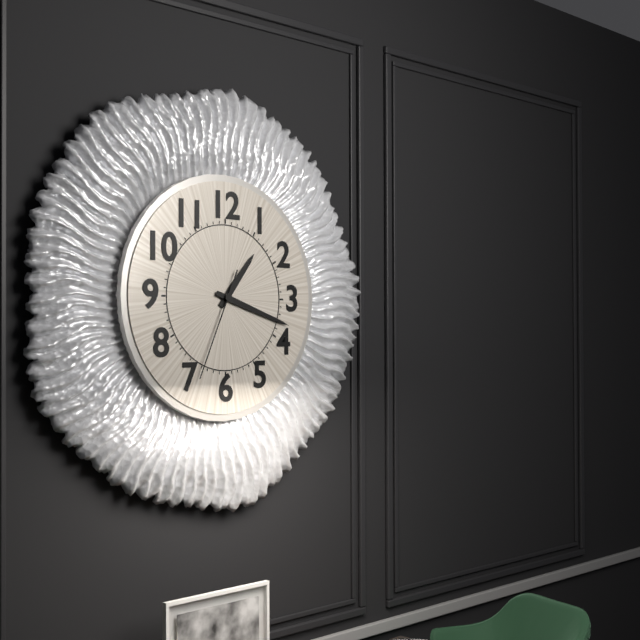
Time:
1.18.34
